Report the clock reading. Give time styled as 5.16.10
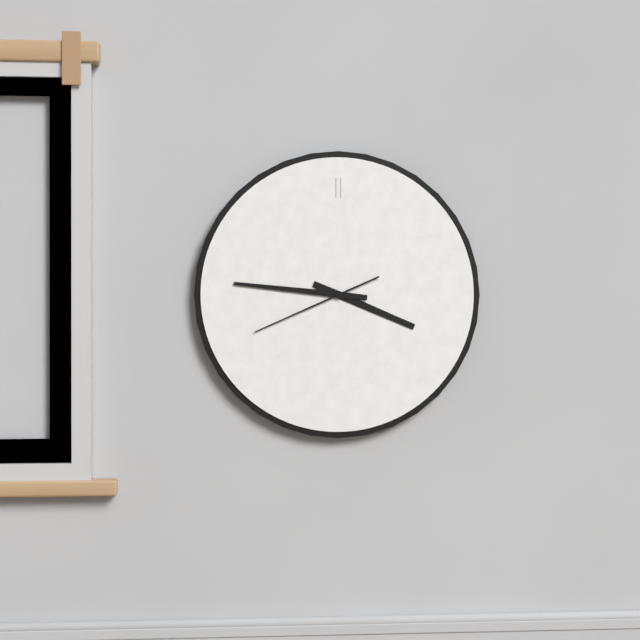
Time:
3.46.41
